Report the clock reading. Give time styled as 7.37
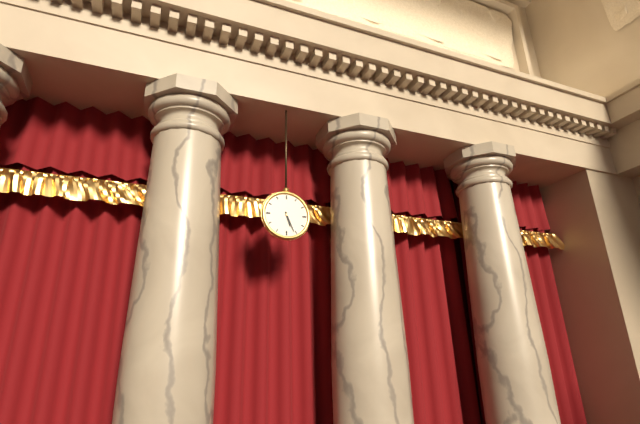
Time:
5.26
